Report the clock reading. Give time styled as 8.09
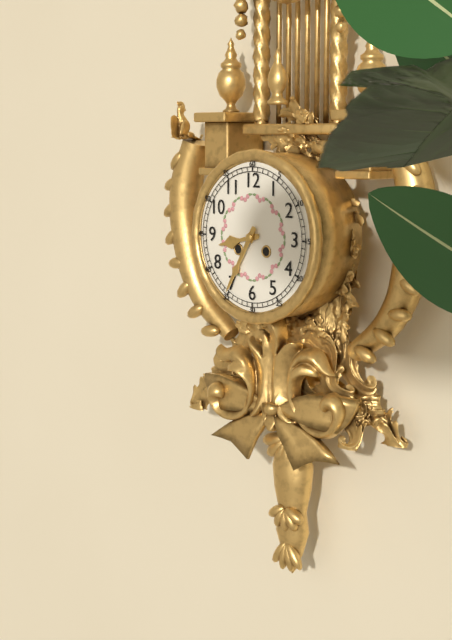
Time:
8.35
